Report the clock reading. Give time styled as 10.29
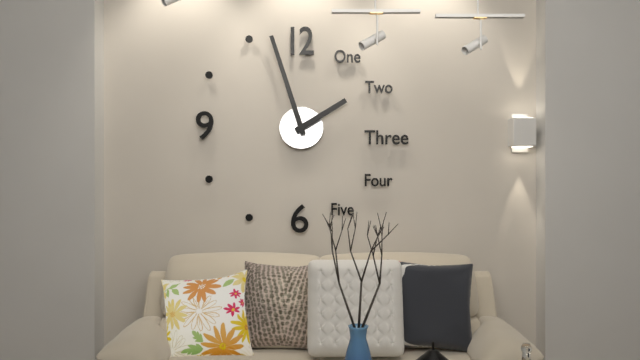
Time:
1.57
